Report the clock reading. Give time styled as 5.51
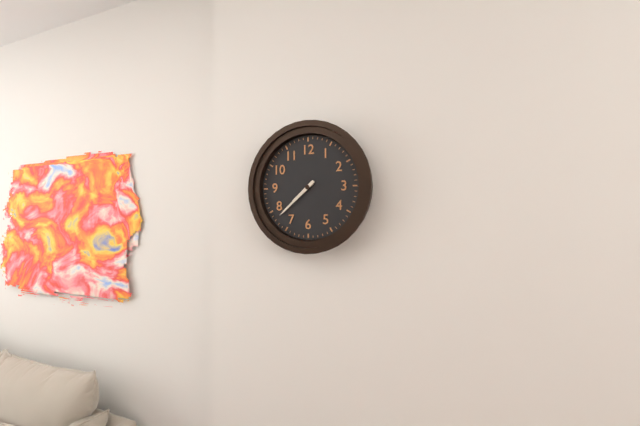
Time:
7.38
